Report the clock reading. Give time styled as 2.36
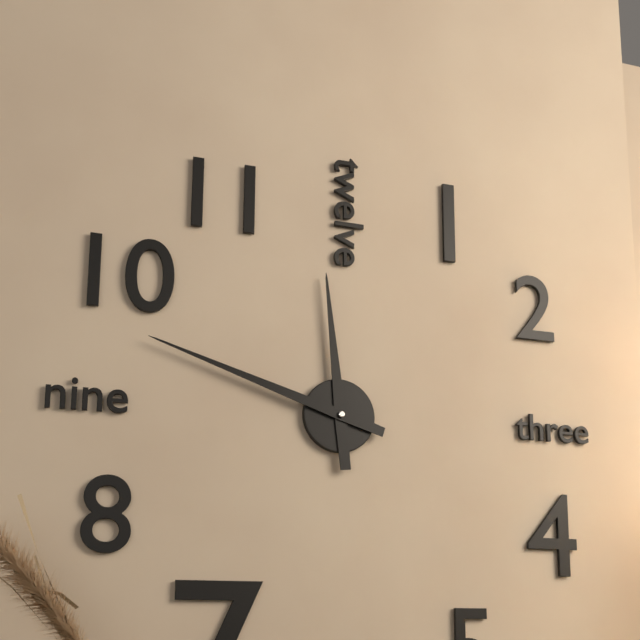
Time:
11.48
